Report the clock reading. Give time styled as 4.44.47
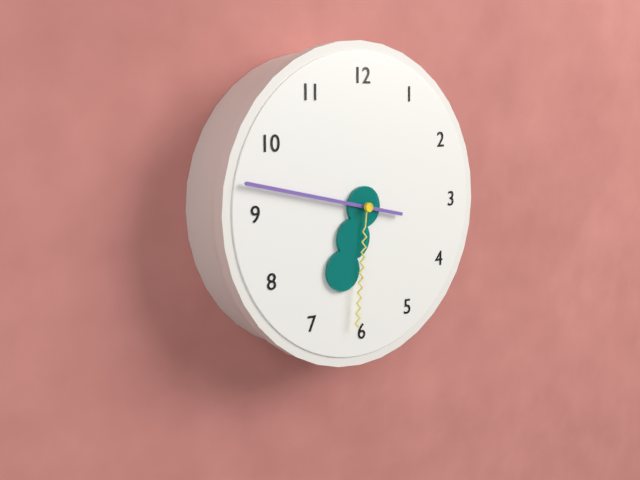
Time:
6.47.31
